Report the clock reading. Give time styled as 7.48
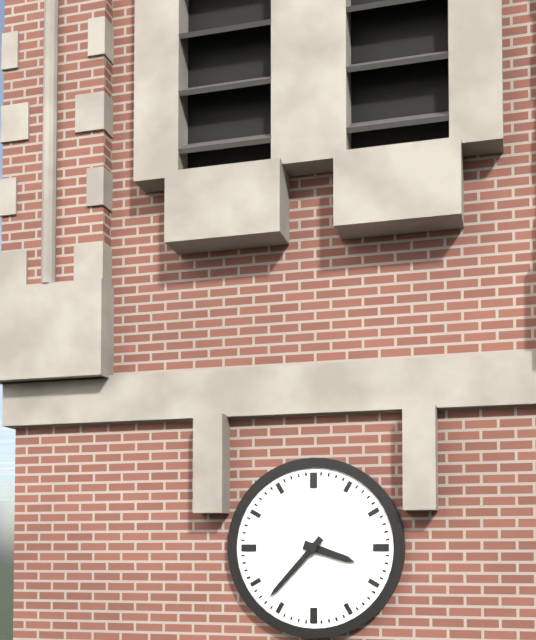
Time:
3.37
